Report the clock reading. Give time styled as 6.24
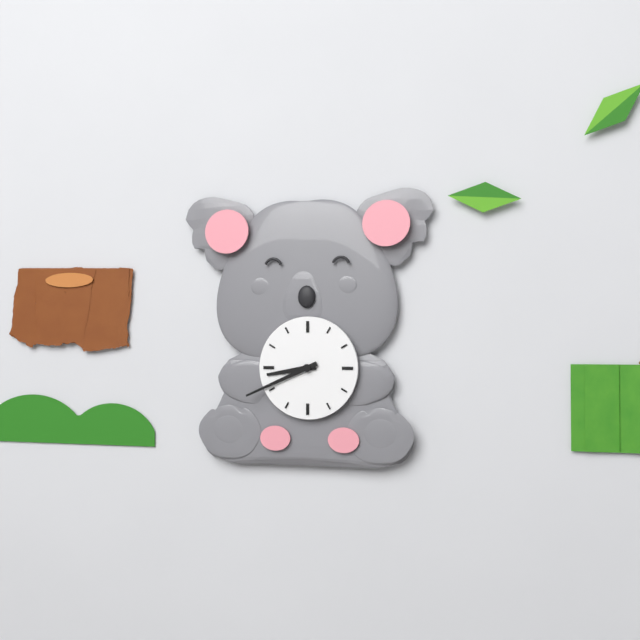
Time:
8.41
